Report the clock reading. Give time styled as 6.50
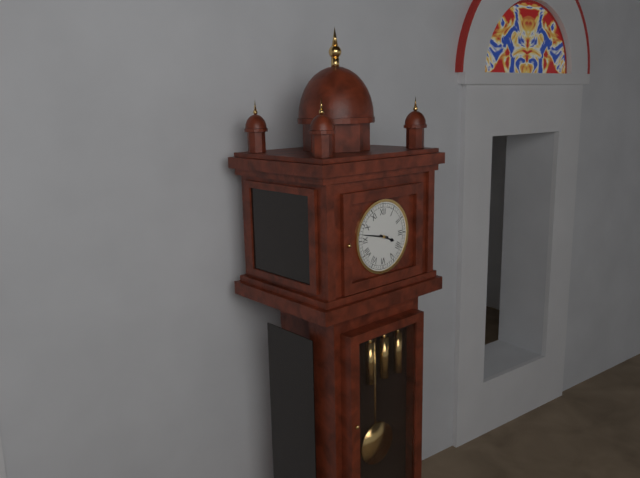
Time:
3.47
